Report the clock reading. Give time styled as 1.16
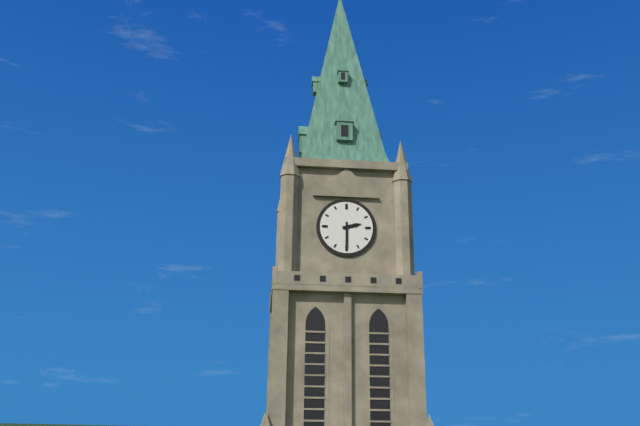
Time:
2.30
